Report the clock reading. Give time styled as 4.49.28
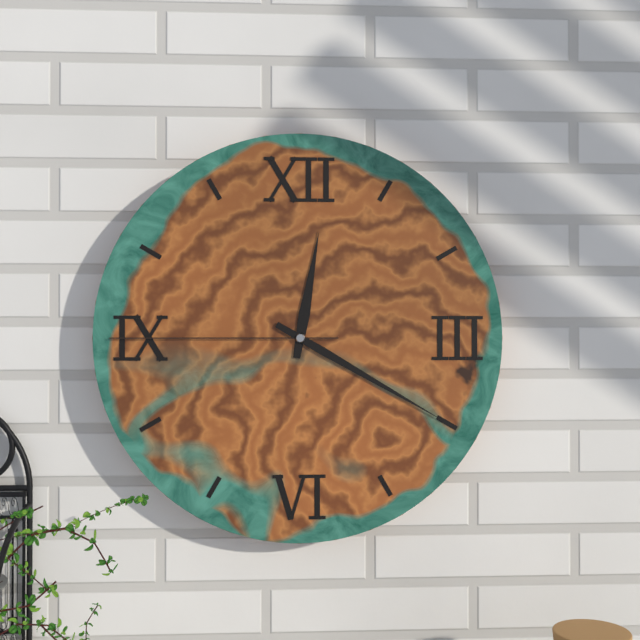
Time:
12.20.45
